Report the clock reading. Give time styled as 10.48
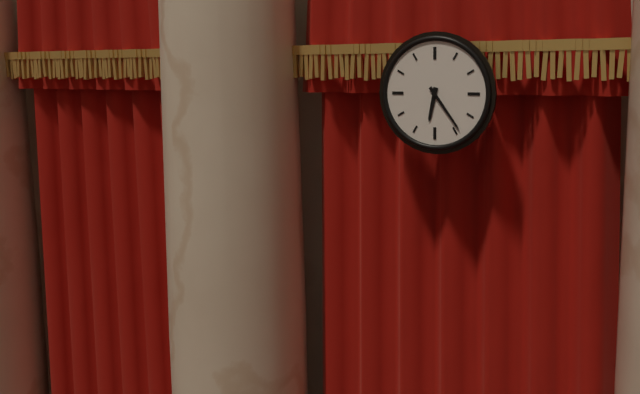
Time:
6.24
